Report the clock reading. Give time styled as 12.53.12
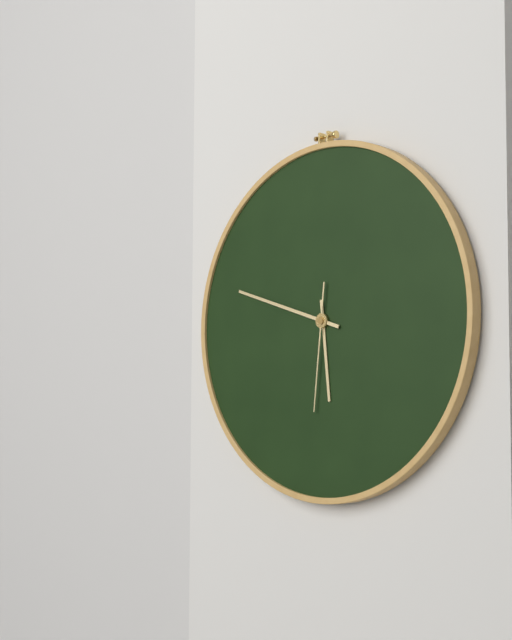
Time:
5.48.31
